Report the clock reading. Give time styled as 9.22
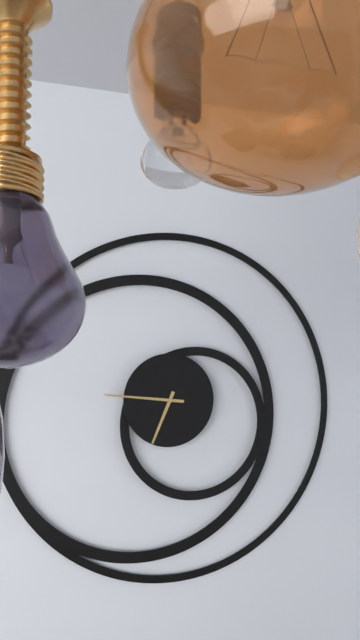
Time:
6.46
